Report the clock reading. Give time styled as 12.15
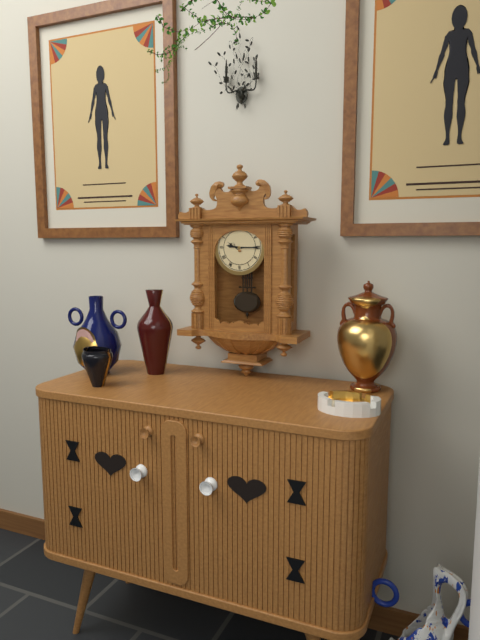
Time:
9.15
